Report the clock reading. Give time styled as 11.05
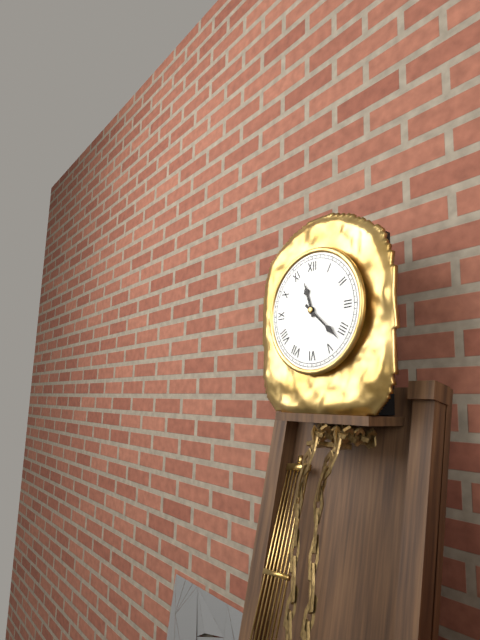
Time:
11.22
